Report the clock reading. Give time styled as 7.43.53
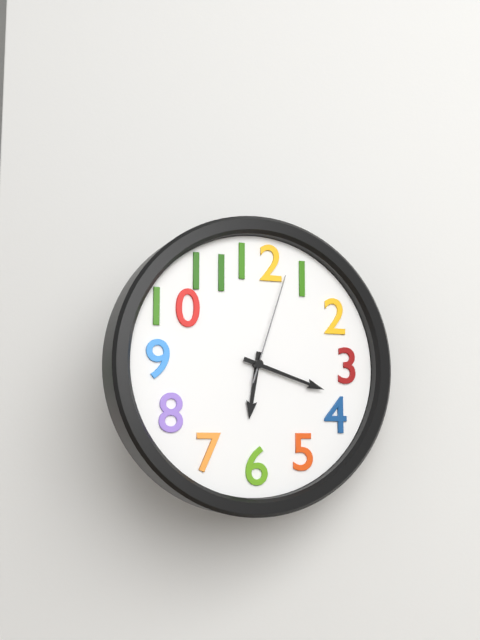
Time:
6.18.03
